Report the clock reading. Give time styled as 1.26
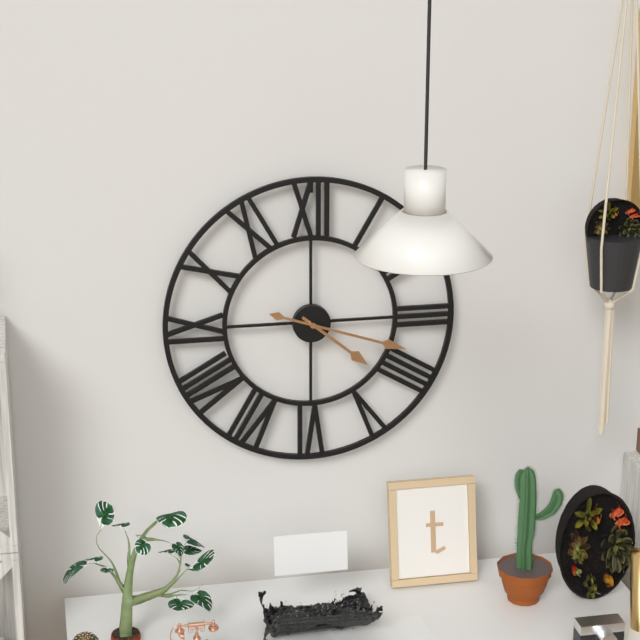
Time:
4.18
